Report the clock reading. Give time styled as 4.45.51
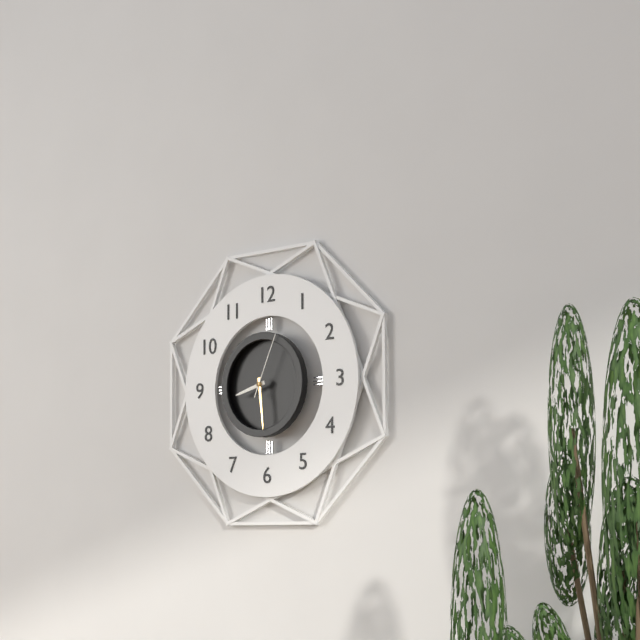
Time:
8.29.04
